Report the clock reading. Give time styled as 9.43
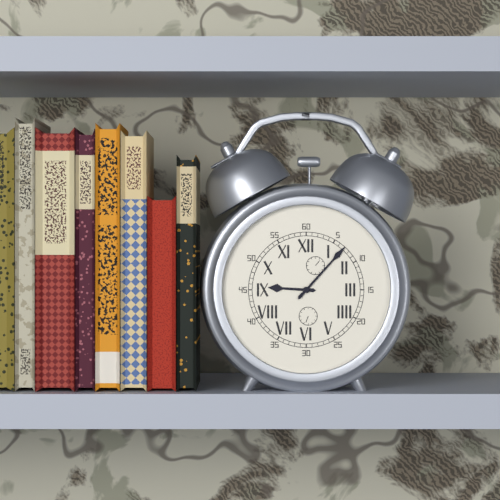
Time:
9.07
